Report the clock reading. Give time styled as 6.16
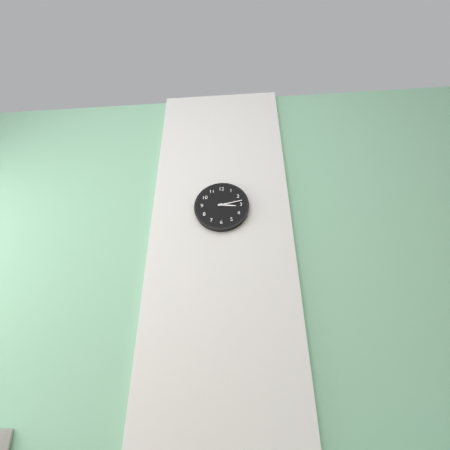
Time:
3.13
